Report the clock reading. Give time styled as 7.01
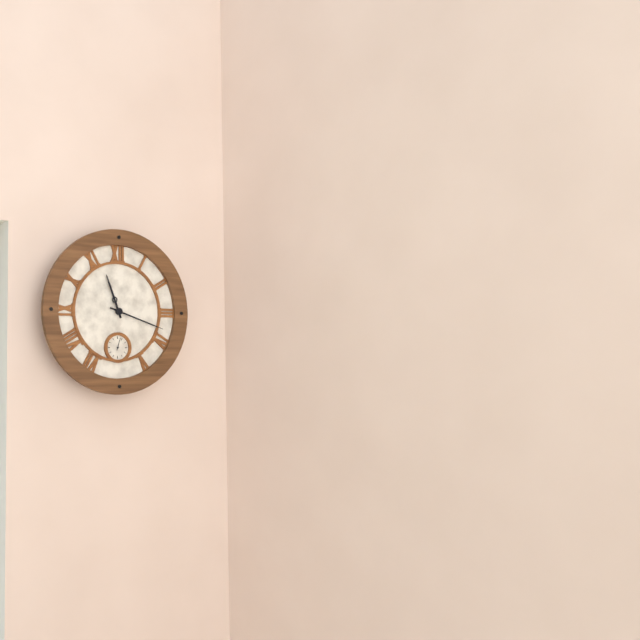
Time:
11.18
